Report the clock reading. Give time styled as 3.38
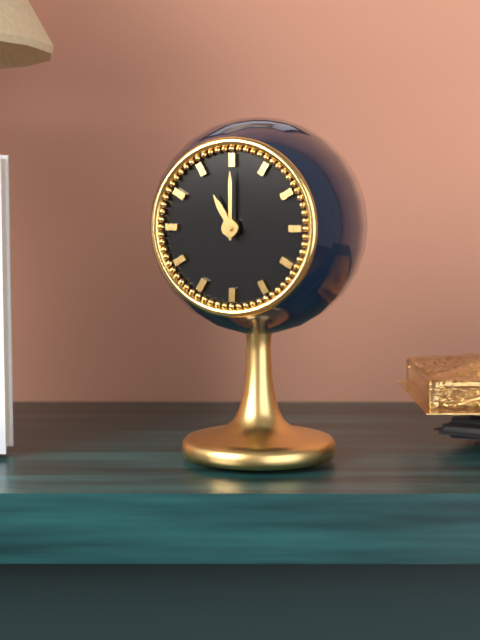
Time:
11.00
